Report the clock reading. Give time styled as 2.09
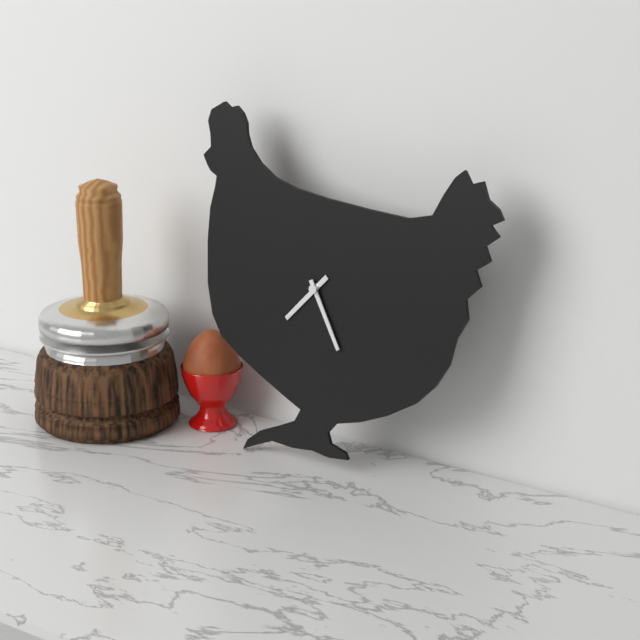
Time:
7.25
